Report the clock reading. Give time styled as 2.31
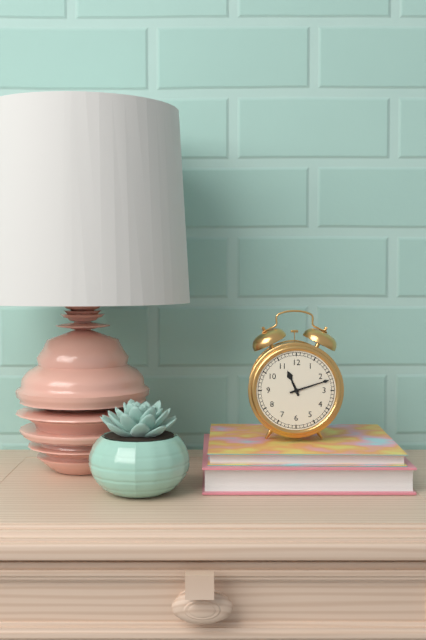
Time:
11.12
